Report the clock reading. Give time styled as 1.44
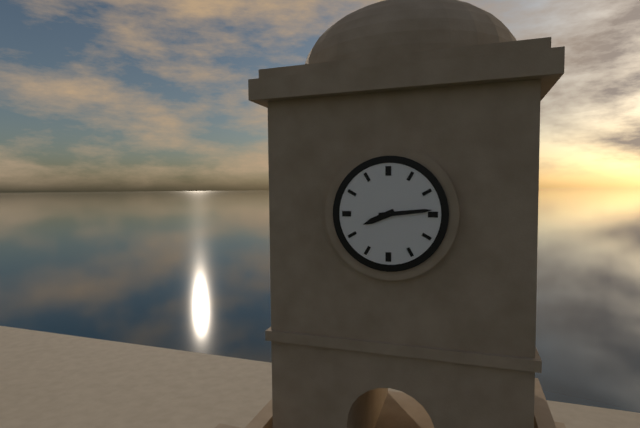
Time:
8.14
